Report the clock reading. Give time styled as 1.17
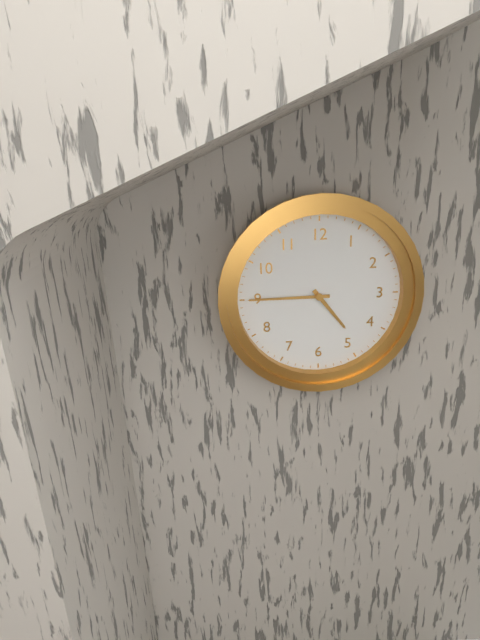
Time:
4.45
